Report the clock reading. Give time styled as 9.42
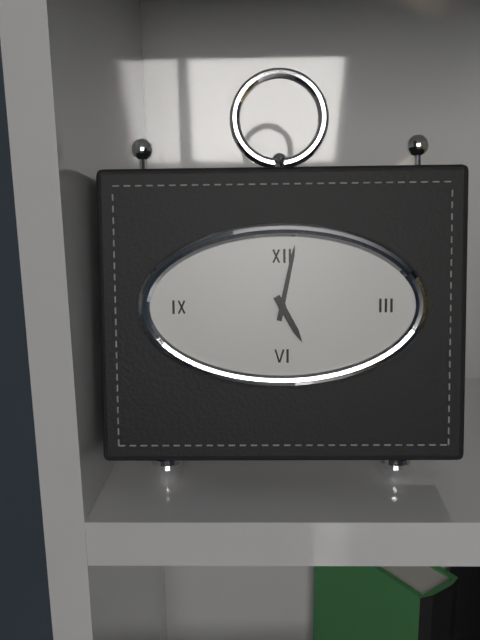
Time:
5.02
